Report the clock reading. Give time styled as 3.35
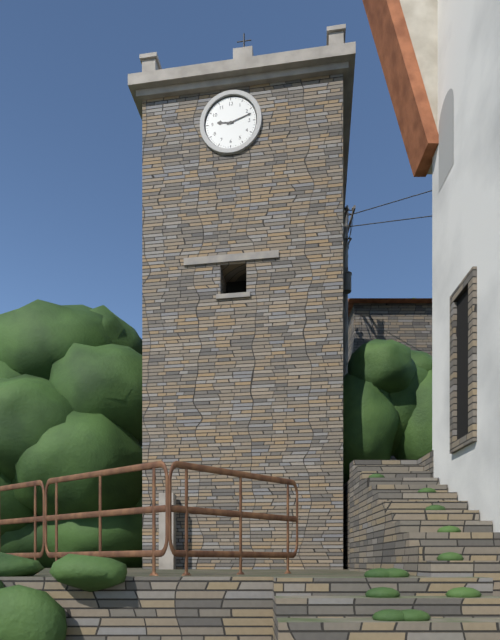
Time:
9.12
